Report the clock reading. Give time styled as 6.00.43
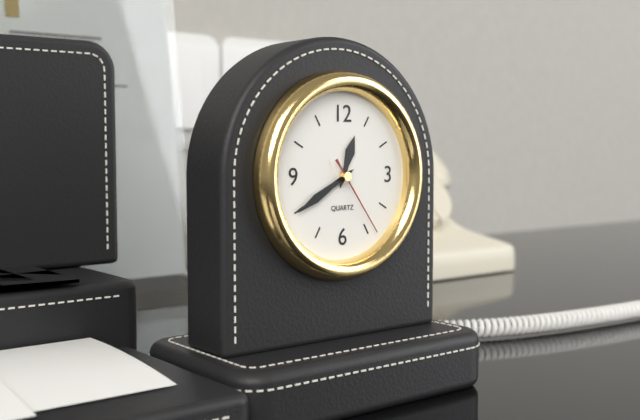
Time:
12.40.24
